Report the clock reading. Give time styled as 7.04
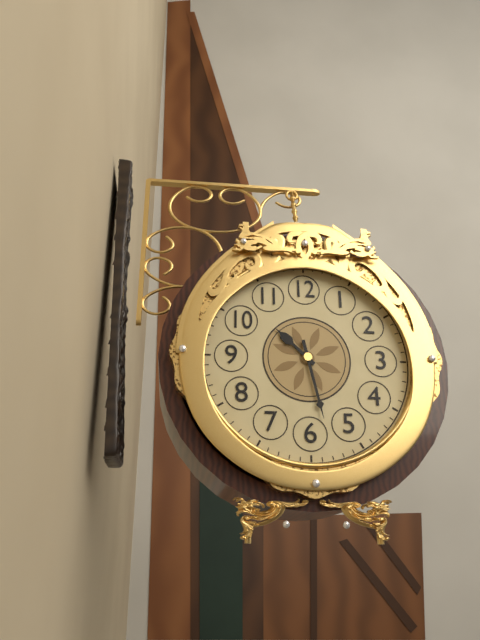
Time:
10.28
